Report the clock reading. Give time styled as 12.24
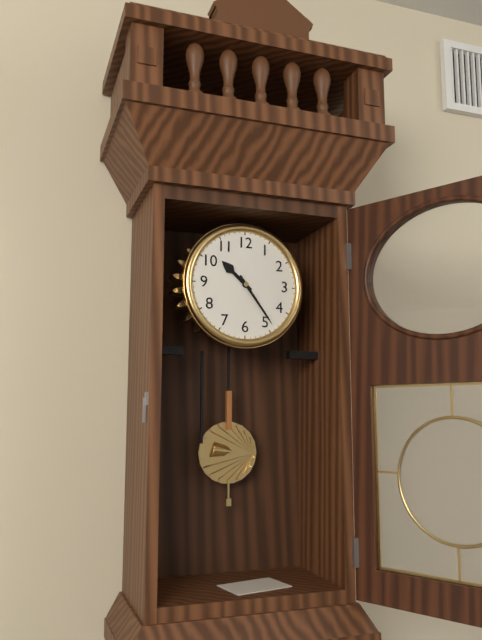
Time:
10.24
